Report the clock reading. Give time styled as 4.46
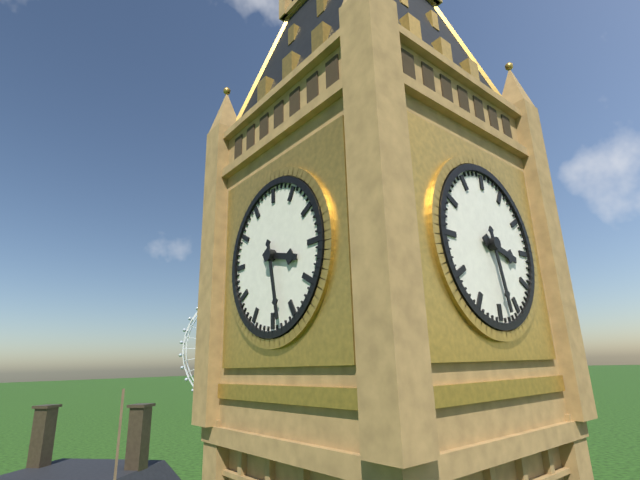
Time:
3.28
